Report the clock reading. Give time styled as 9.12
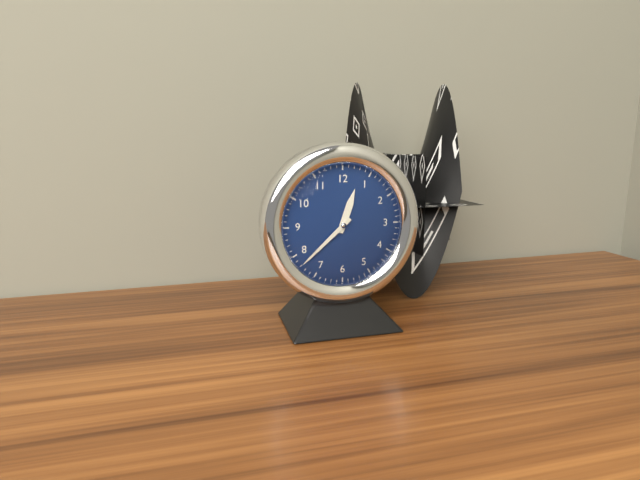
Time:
12.38
